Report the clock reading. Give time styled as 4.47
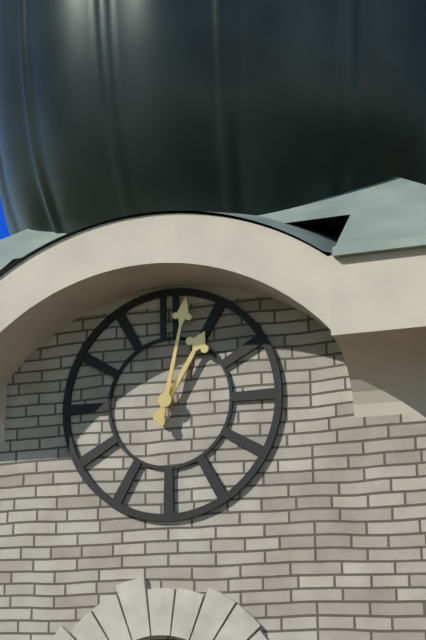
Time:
1.02
